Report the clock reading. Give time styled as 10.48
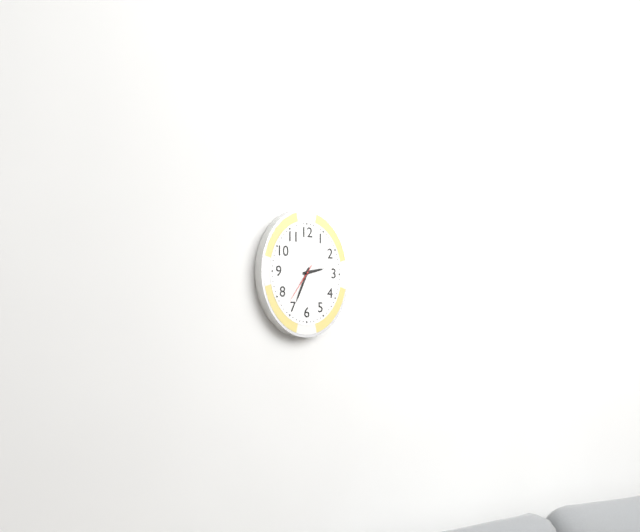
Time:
2.34
